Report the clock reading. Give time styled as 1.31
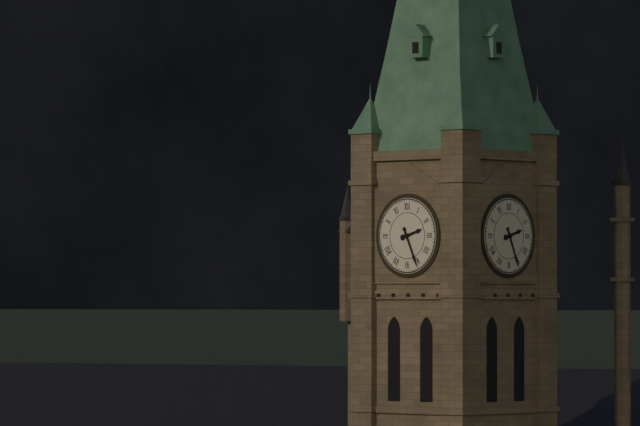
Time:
2.26
